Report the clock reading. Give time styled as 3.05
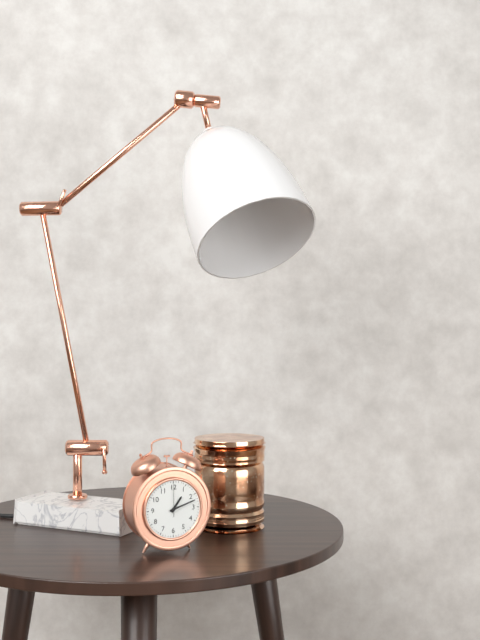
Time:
1.12
